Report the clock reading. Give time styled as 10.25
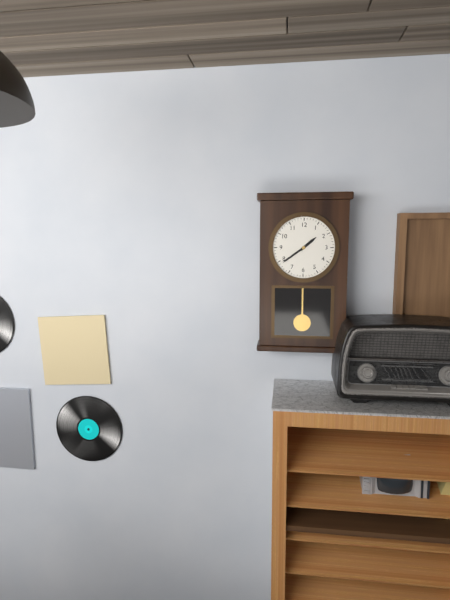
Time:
1.39
